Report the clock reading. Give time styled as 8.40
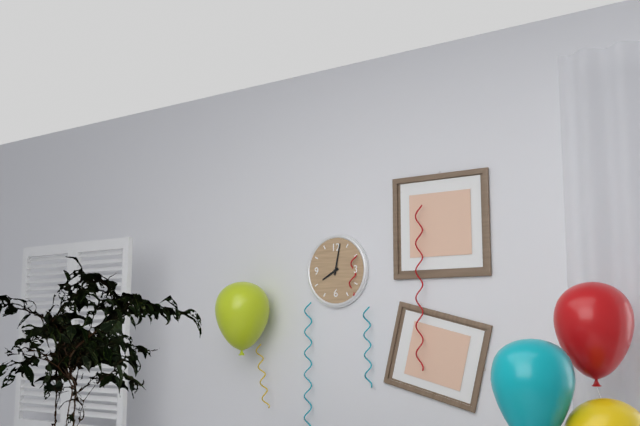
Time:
8.02
